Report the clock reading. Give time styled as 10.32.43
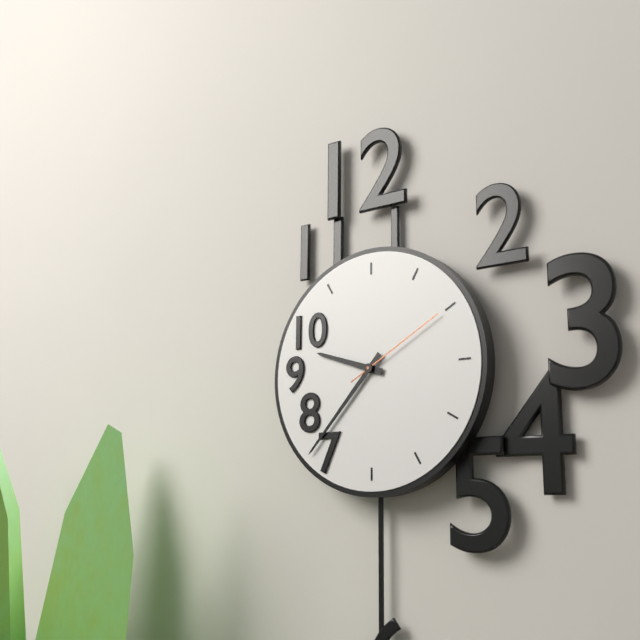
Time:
9.37.10
